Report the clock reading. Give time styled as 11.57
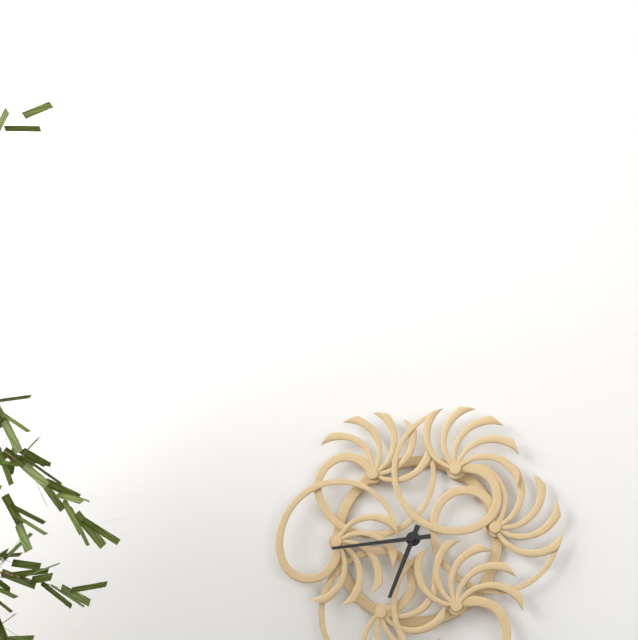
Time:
6.44
